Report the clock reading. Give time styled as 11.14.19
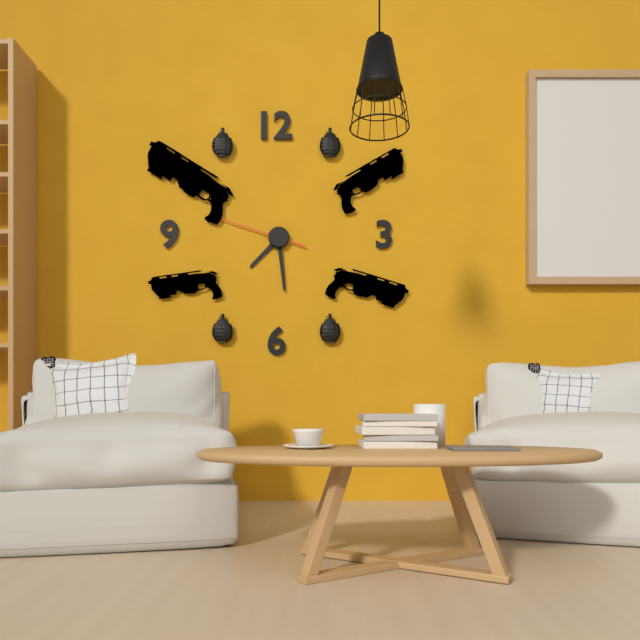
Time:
7.29.48
